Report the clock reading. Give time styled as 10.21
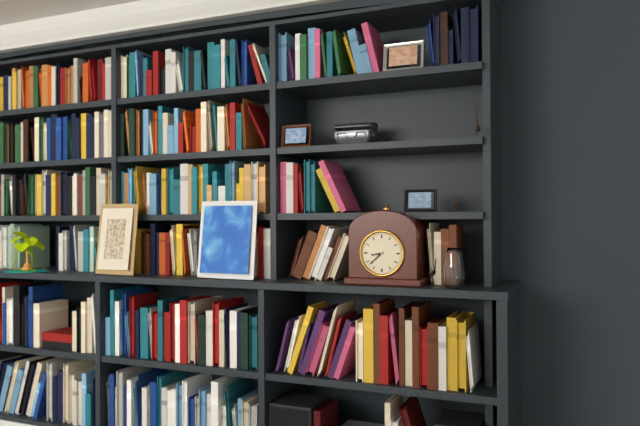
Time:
8.38
